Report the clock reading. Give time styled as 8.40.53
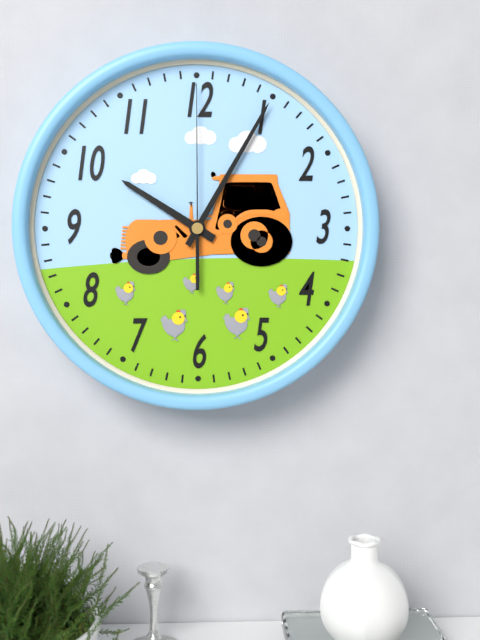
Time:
10.05.00
